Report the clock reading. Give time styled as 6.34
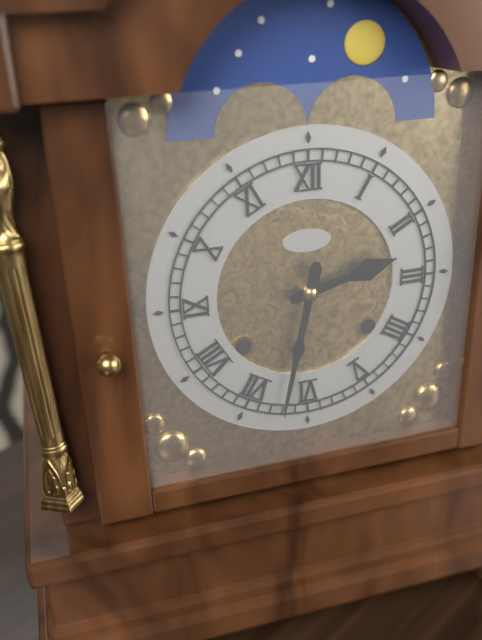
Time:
2.32
